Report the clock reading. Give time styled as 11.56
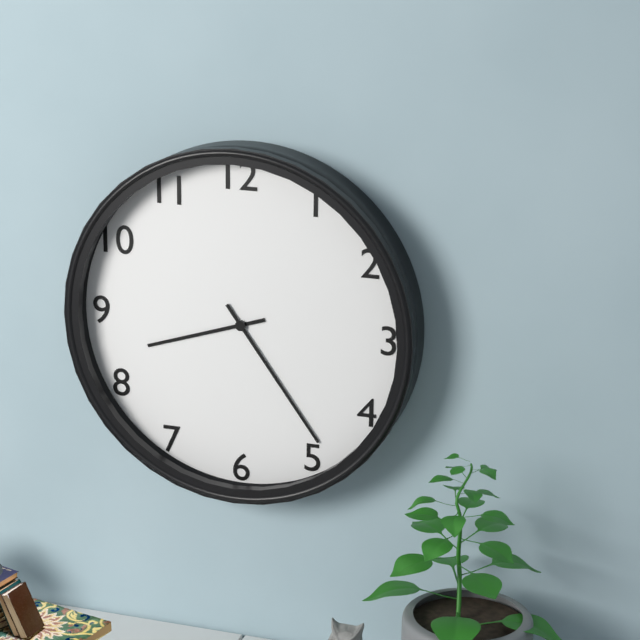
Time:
8.24
